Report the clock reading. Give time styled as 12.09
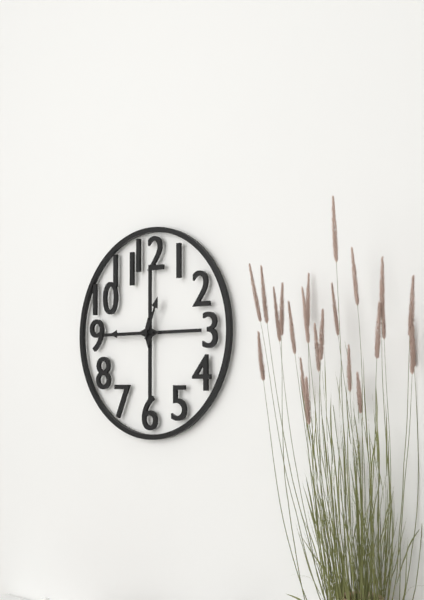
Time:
12.45
